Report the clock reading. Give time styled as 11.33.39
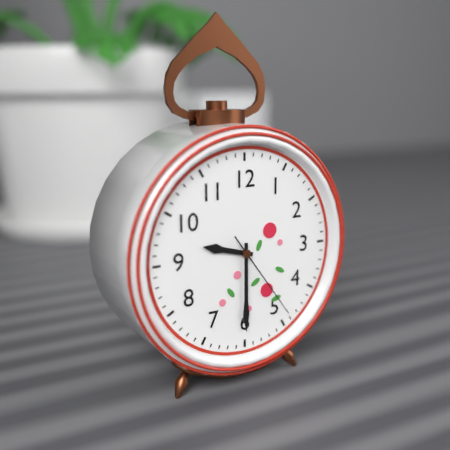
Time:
9.30.24
